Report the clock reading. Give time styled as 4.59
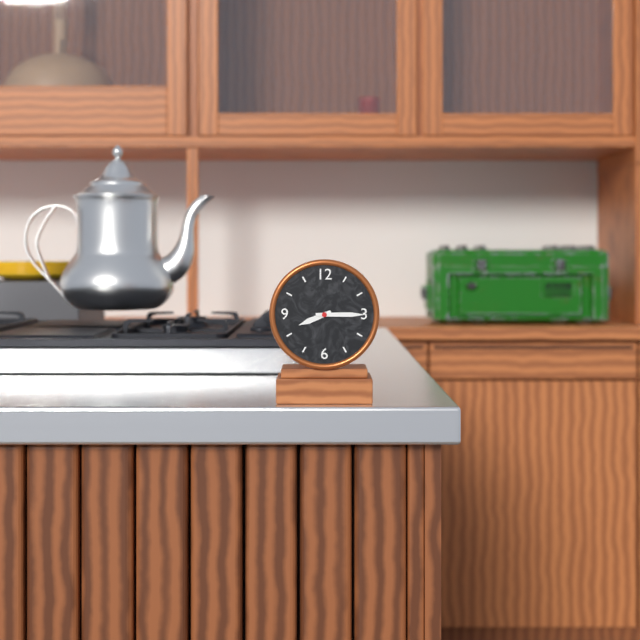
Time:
8.15
